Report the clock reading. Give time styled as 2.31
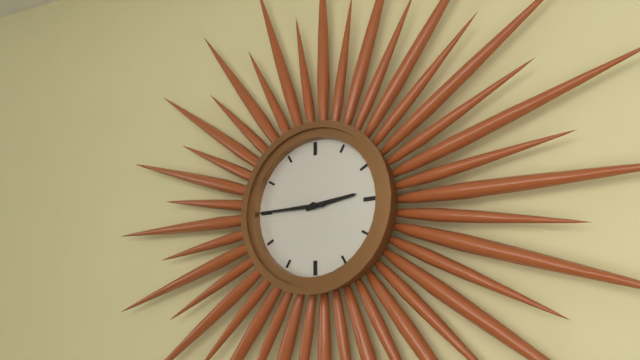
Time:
2.45
